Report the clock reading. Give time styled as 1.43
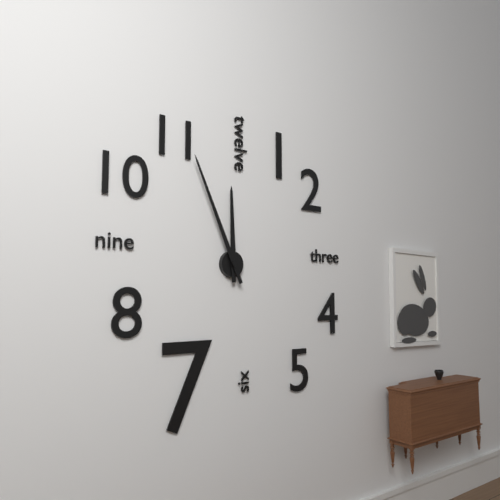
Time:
11.56
